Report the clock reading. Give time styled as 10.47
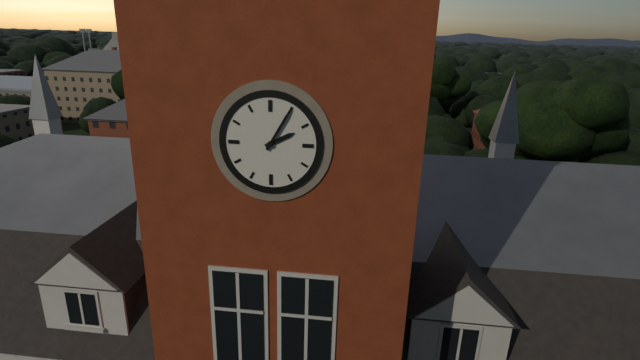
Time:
2.05
